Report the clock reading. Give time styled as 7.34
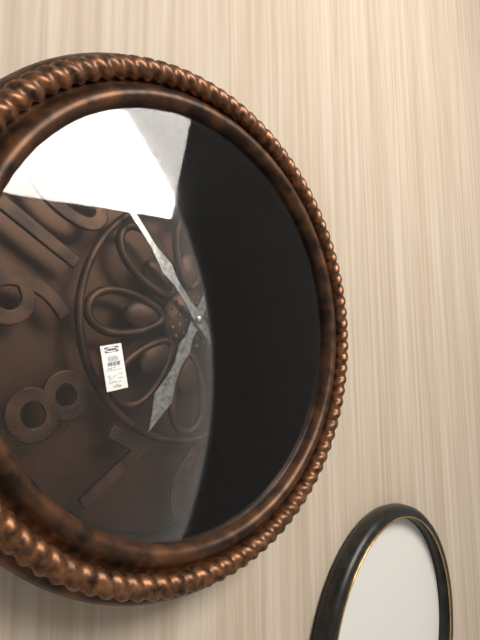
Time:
6.53
